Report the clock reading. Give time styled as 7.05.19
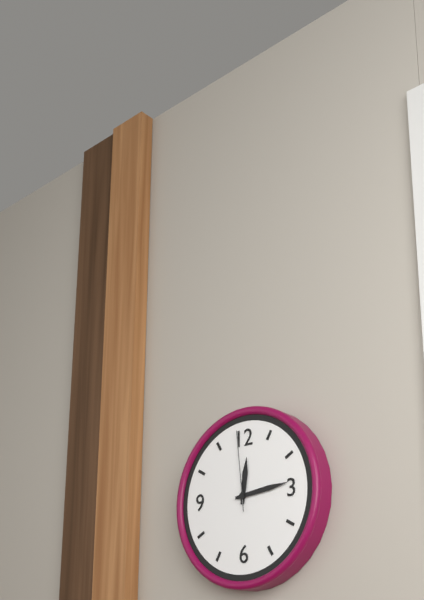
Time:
12.14.59
